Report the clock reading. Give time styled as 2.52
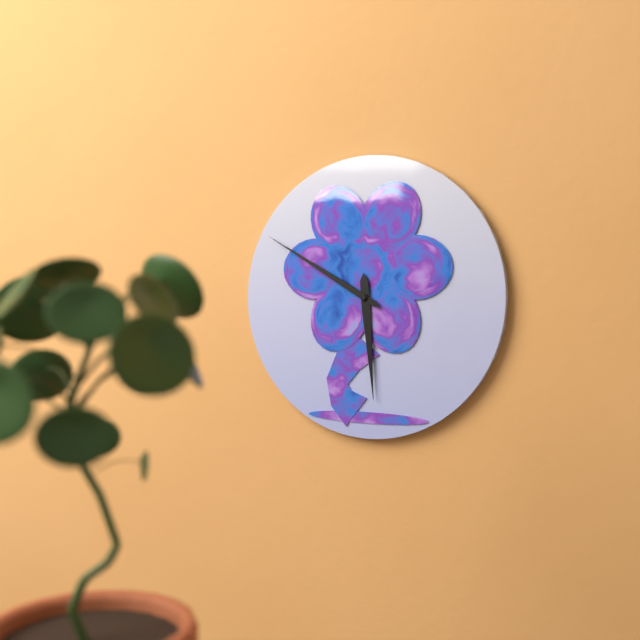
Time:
5.50
